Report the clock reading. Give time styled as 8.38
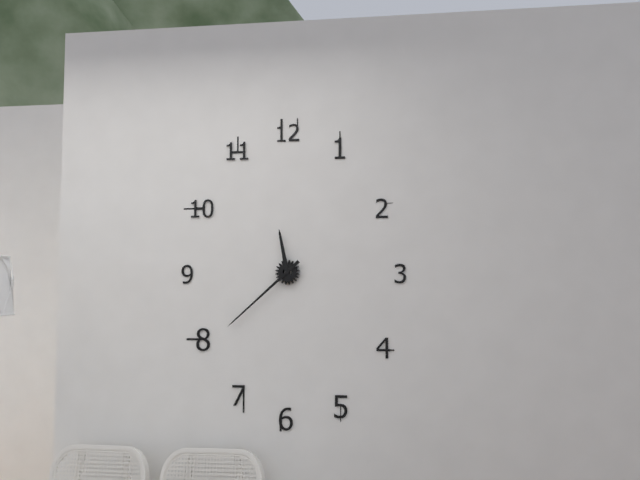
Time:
11.38
